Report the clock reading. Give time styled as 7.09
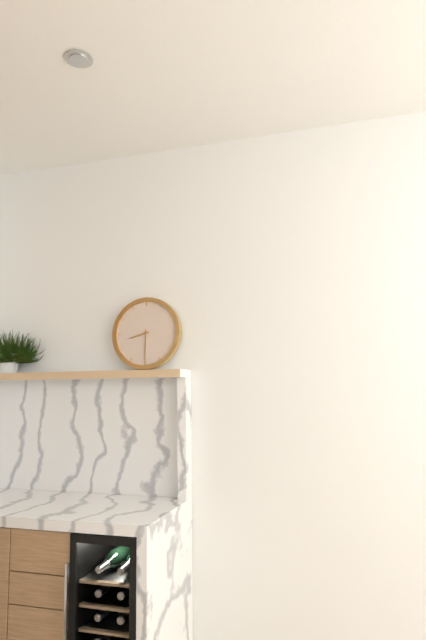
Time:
8.30
